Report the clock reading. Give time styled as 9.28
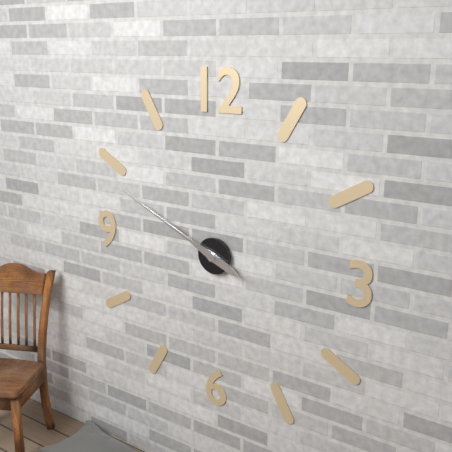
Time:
9.49
